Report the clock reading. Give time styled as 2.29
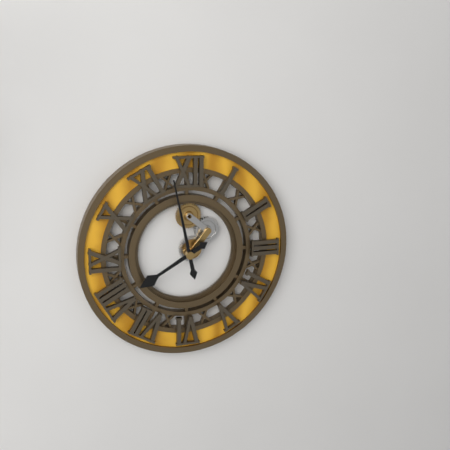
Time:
7.58
